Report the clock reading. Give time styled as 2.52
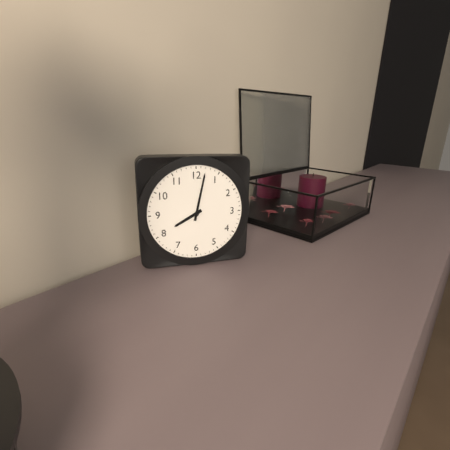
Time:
8.02
